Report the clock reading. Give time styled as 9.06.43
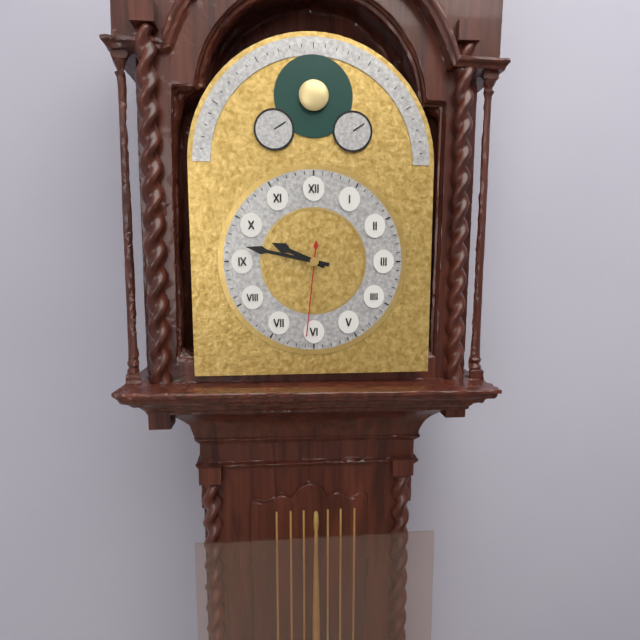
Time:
9.47.31
